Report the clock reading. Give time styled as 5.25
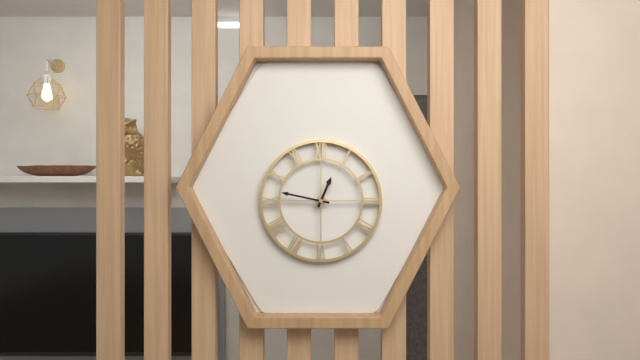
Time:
12.47
